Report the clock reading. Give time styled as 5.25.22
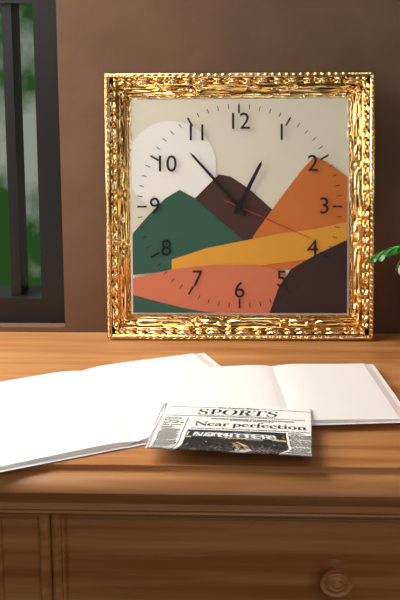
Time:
12.53.19
